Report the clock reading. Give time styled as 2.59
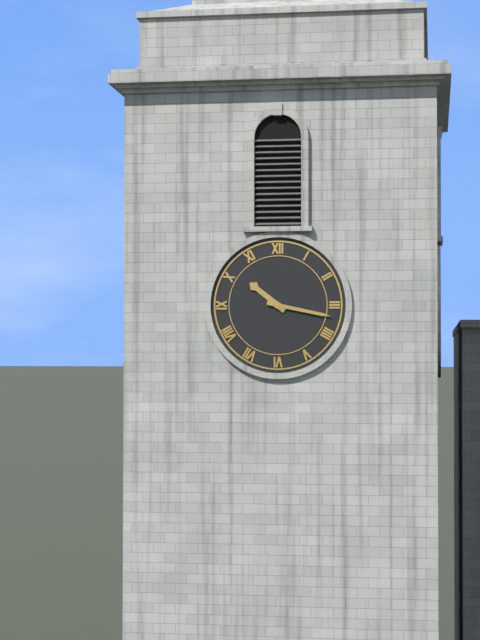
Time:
10.17
